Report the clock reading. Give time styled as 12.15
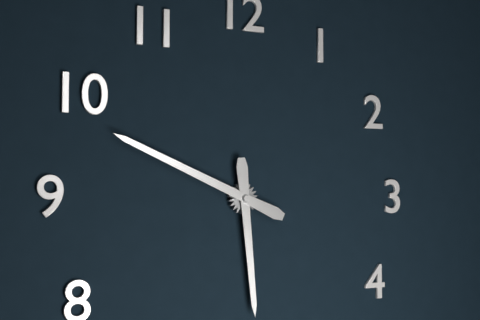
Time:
5.49
